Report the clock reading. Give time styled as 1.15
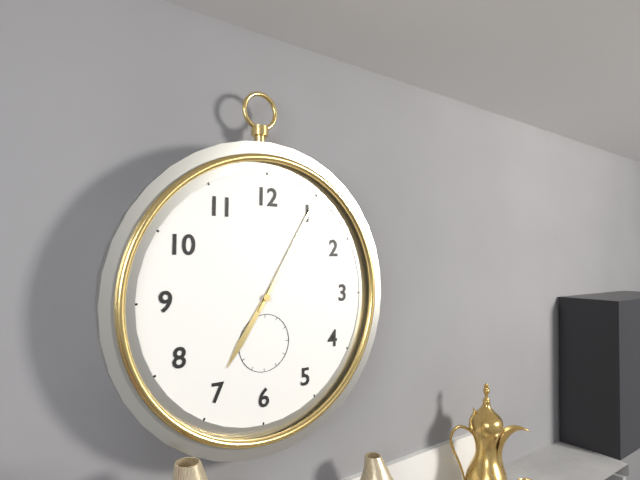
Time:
7.05
